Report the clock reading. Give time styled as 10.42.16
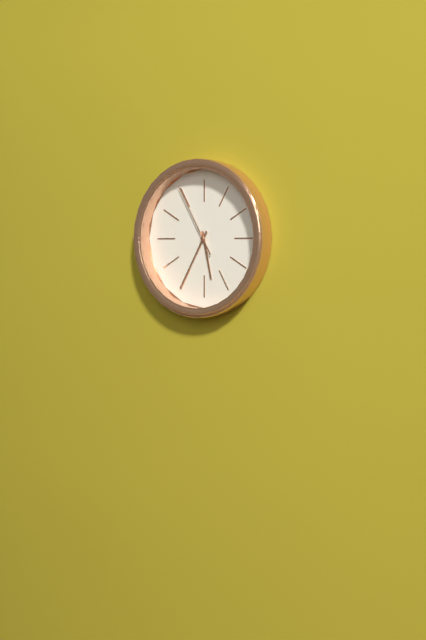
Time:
5.35.55
